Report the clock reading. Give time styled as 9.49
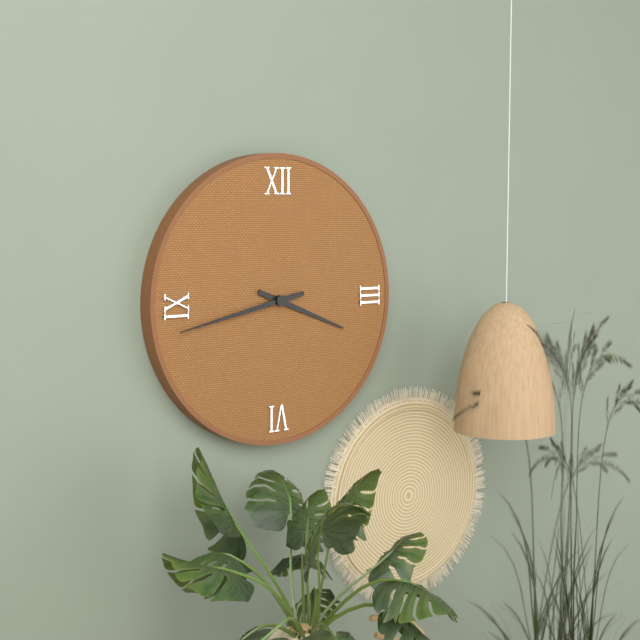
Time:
3.43
